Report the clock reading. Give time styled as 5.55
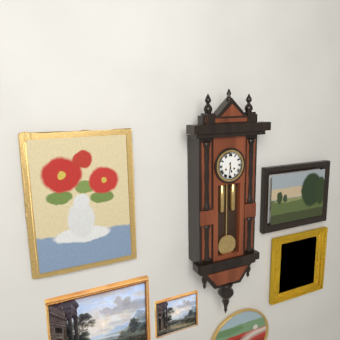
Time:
5.31
